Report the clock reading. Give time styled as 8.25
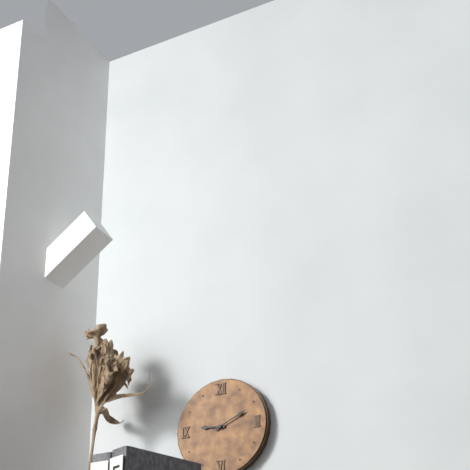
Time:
9.11
